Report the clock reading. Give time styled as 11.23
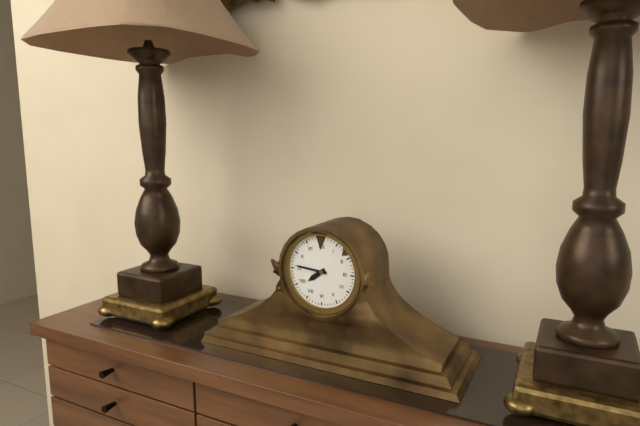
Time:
7.46
